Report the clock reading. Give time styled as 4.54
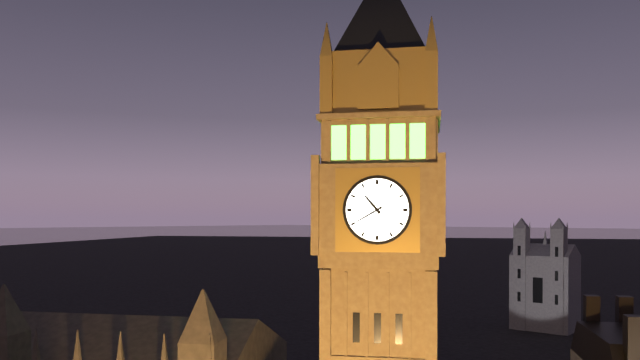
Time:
10.40
